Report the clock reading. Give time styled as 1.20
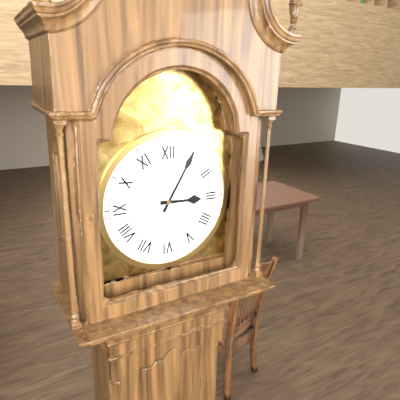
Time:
3.05
